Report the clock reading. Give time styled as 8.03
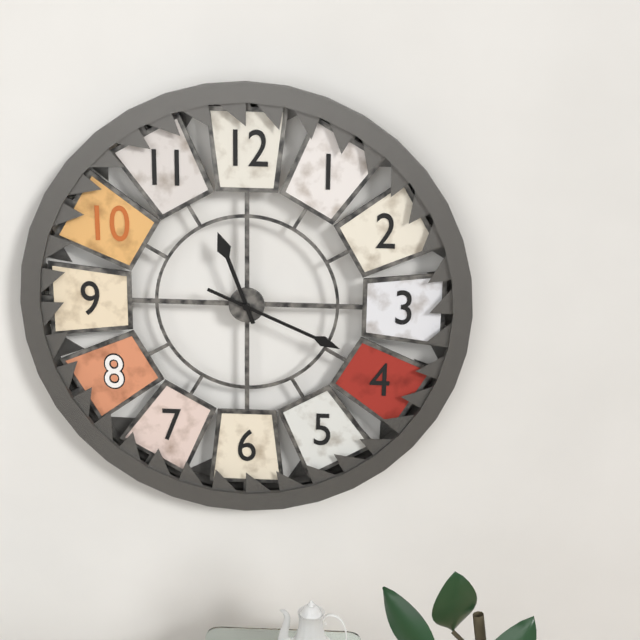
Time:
11.19
